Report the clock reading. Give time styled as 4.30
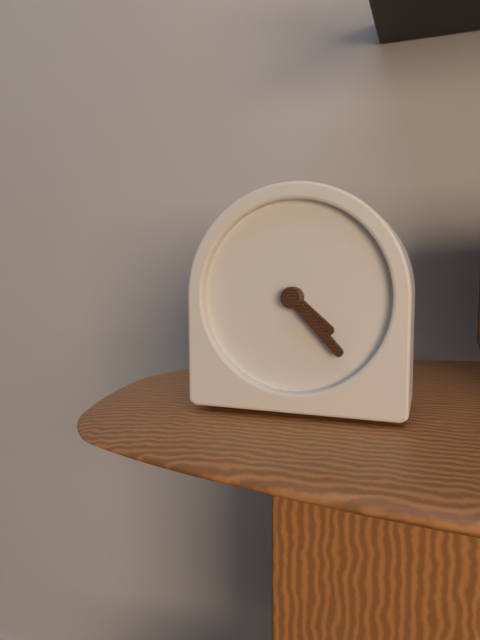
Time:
4.23
